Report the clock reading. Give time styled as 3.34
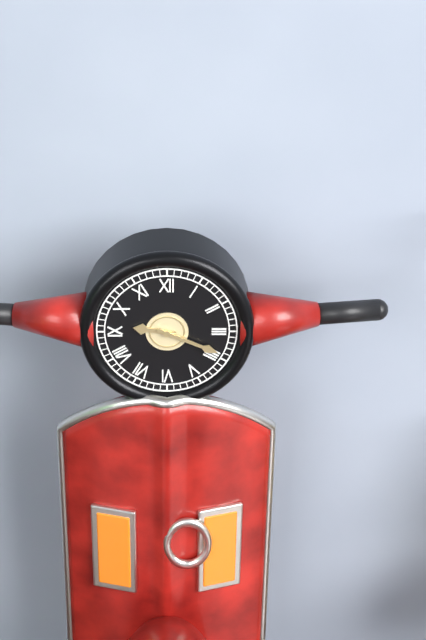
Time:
9.19
